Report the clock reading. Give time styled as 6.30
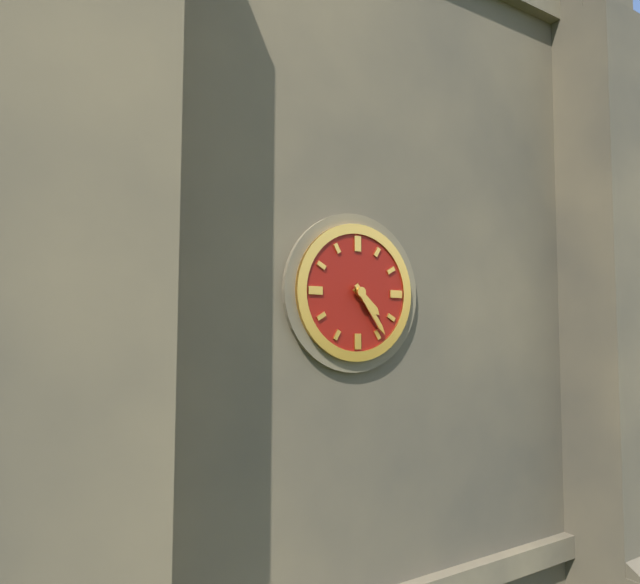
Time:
4.24
